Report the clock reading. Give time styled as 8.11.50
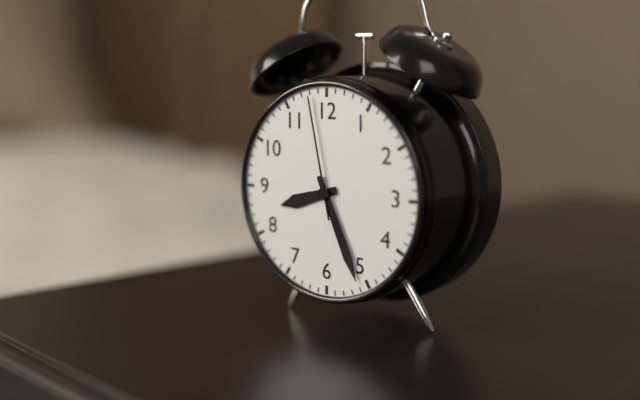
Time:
8.26.58
